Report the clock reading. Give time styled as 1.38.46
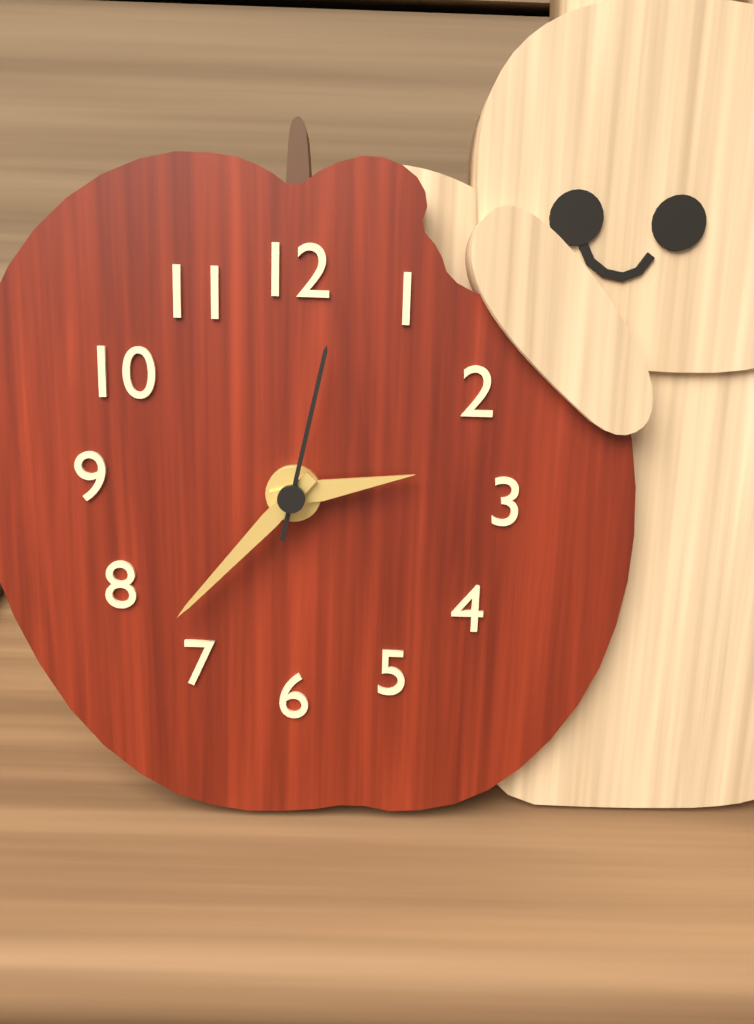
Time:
2.37.02
